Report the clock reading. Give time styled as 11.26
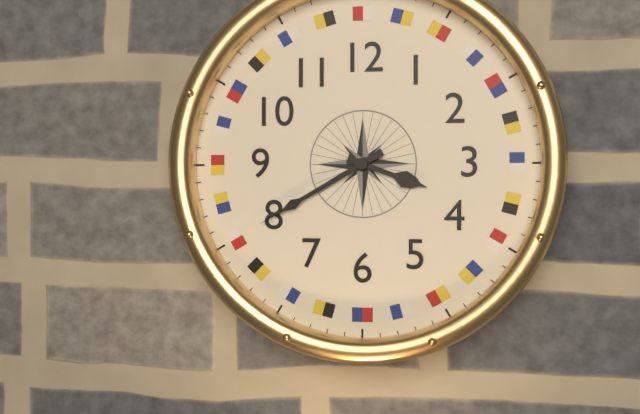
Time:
3.40
